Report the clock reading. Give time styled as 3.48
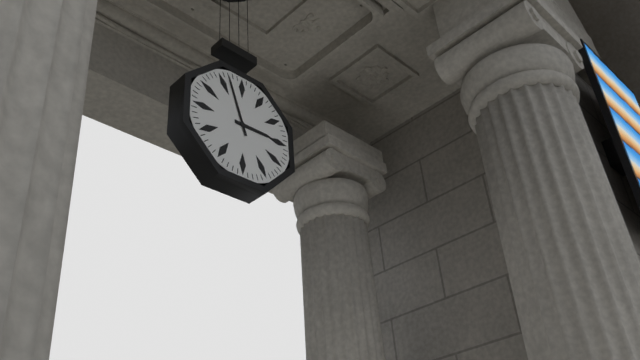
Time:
2.57
